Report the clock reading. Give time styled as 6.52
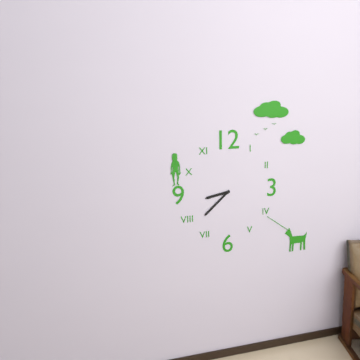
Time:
8.38
